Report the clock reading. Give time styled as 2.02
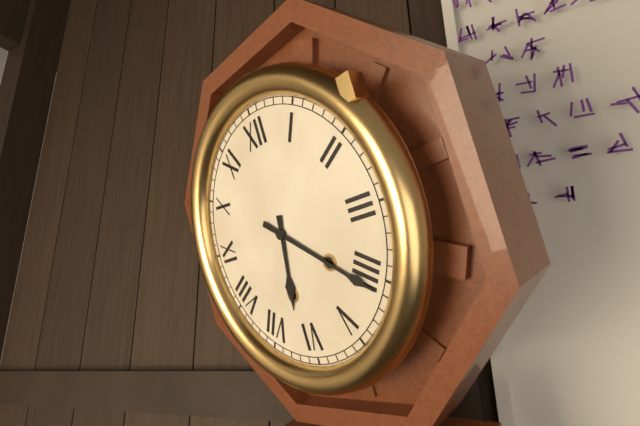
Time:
6.21
